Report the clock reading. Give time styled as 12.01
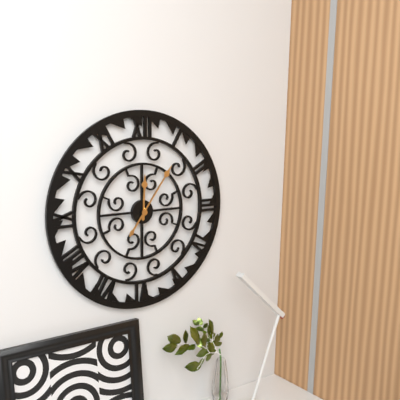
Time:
12.06
